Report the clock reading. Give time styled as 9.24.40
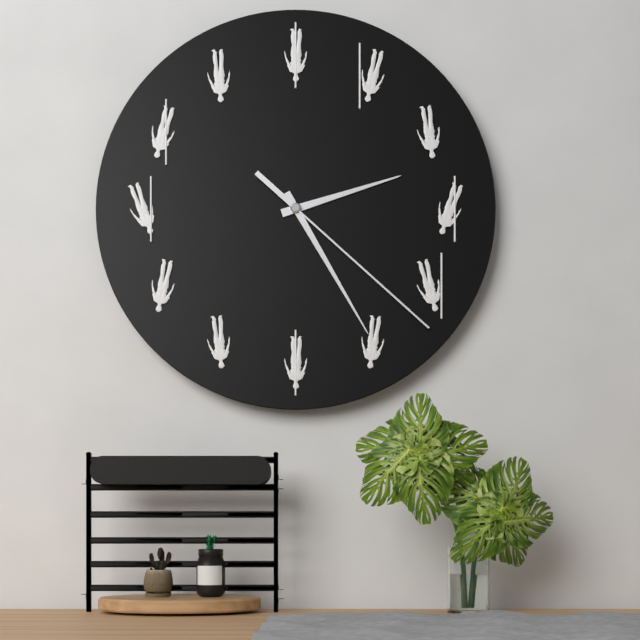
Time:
2.25.22
